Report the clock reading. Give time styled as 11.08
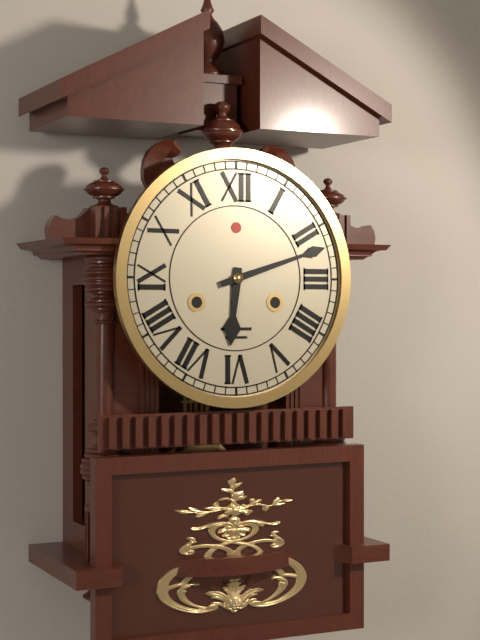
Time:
6.12
